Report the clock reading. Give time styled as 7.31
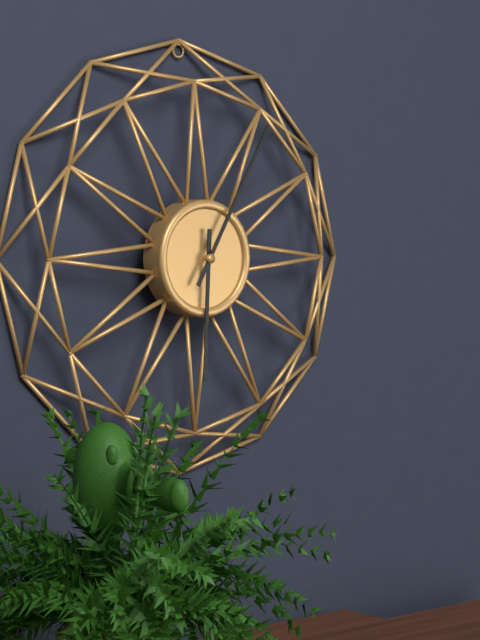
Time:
6.05
